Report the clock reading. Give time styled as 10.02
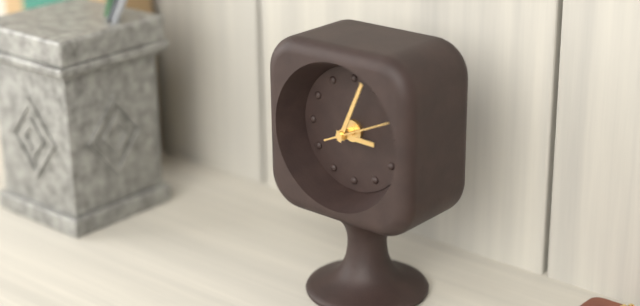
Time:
3.04
